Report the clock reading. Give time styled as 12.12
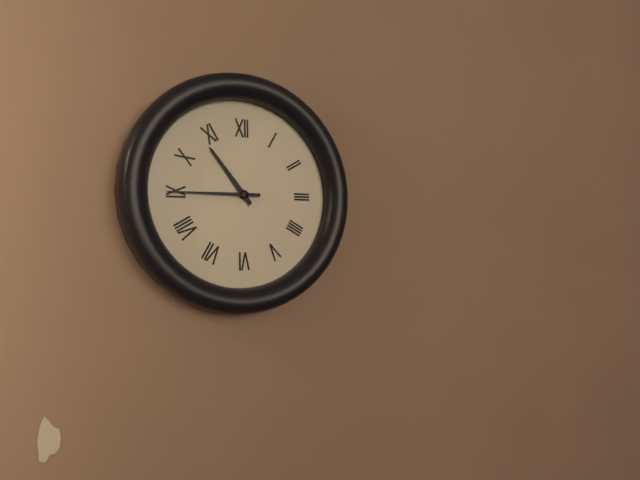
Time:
10.45
